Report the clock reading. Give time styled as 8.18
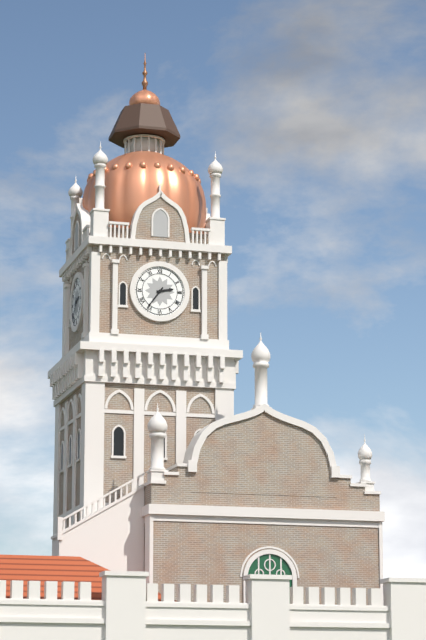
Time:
2.36
